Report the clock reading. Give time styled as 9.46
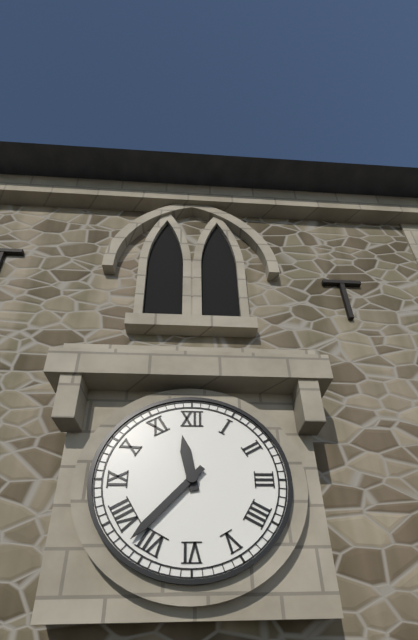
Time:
11.37
